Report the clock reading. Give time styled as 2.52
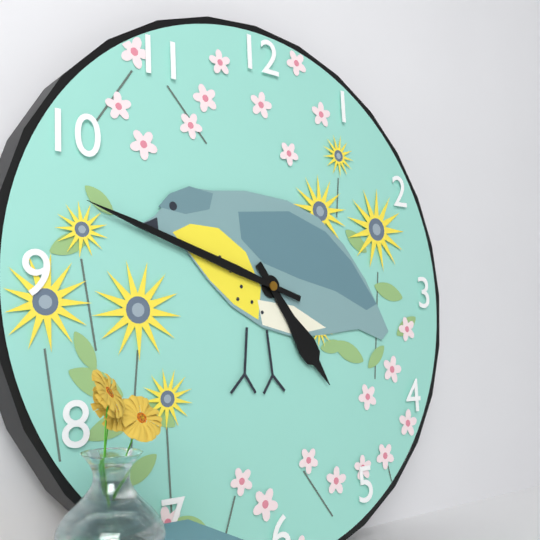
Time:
4.48
